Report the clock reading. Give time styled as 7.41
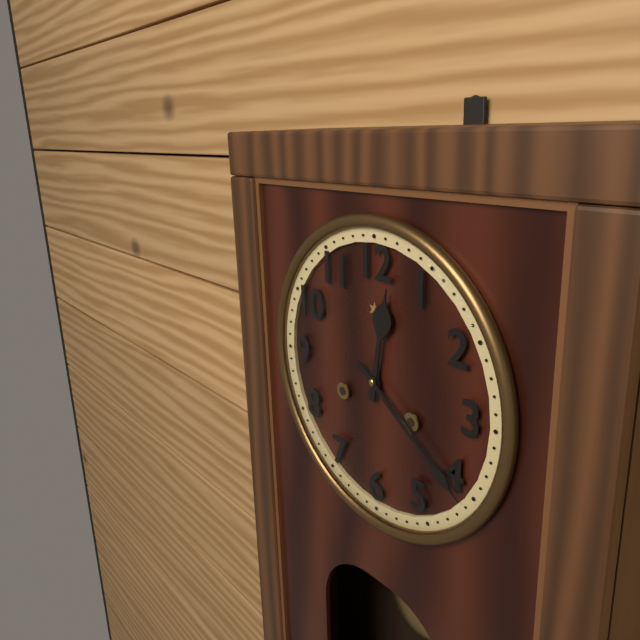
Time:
12.21
